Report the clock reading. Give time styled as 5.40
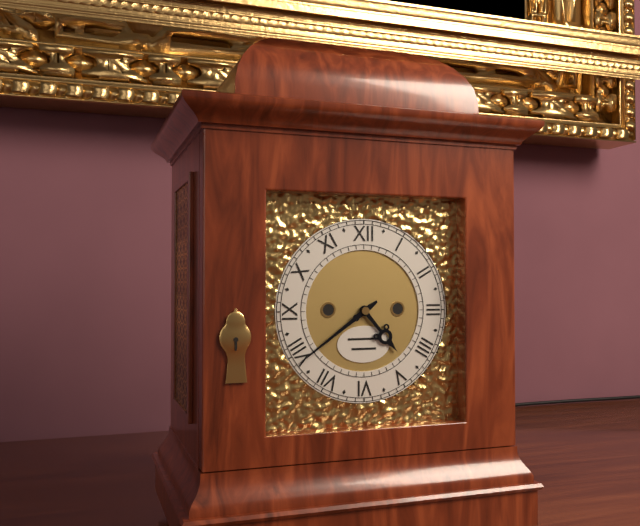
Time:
4.39
